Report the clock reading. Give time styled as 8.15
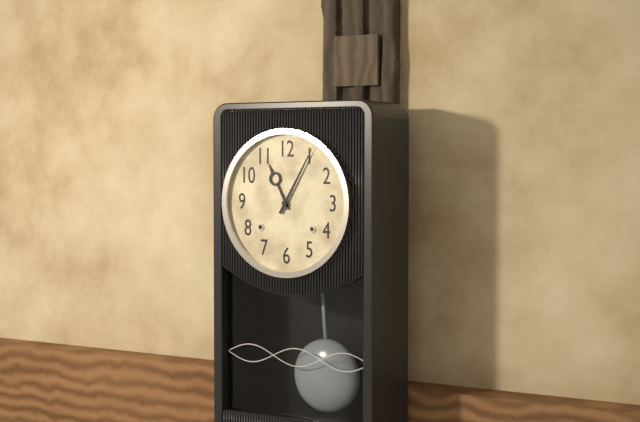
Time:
11.05
